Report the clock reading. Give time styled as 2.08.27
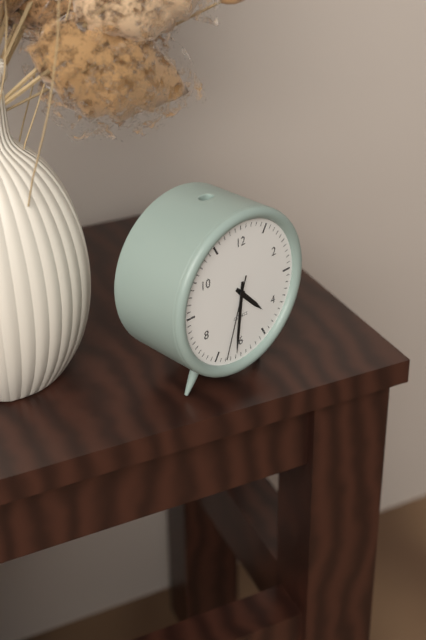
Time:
4.31.33
